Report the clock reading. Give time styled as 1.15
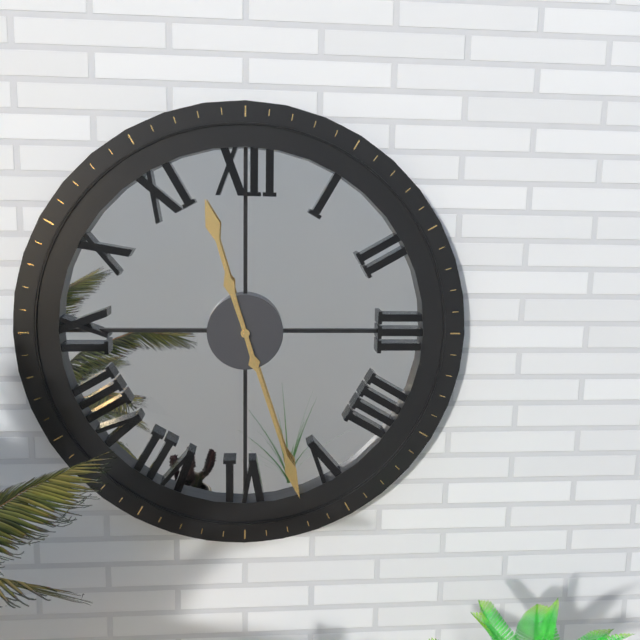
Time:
11.27
